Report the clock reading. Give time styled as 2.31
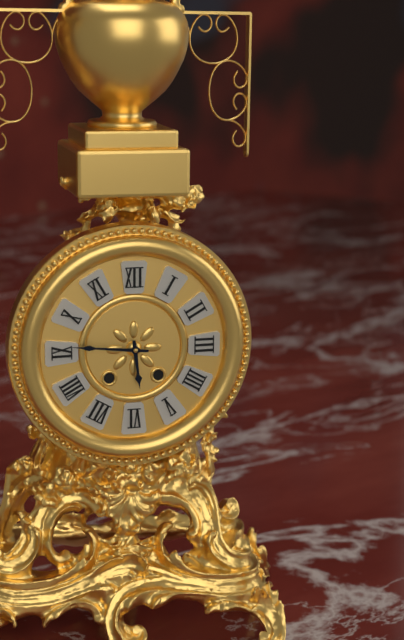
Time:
5.46
